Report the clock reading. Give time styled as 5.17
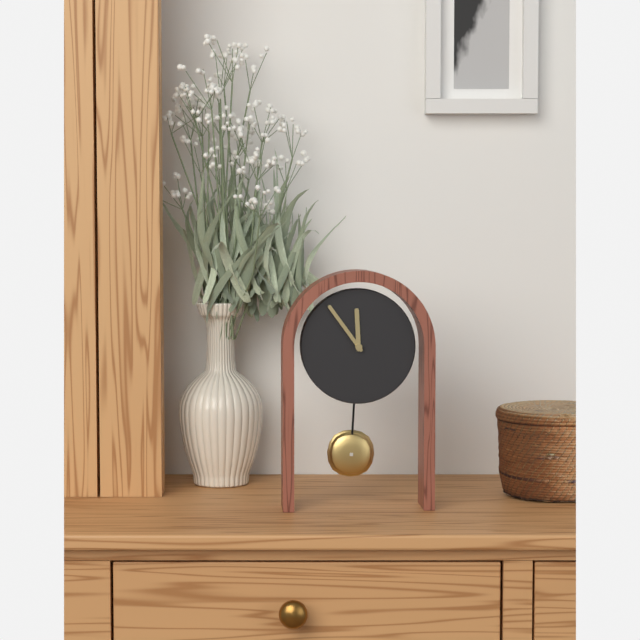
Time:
11.54
